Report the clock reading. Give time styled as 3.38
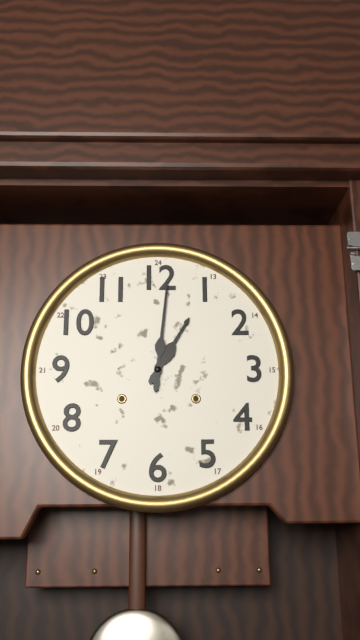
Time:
1.01
